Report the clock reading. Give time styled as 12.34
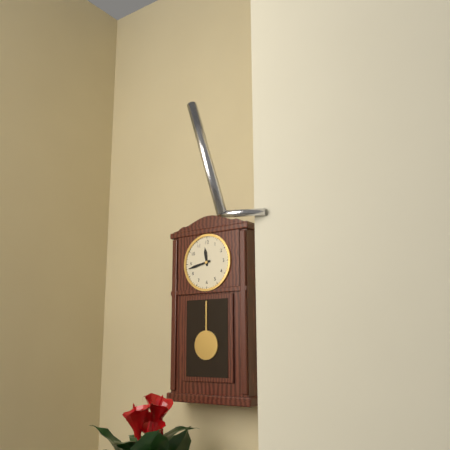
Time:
11.43
